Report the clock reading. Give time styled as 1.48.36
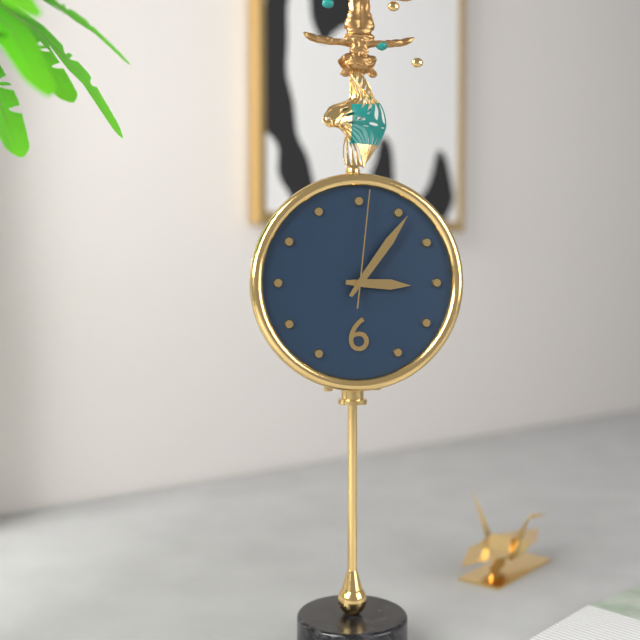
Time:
3.06.01
